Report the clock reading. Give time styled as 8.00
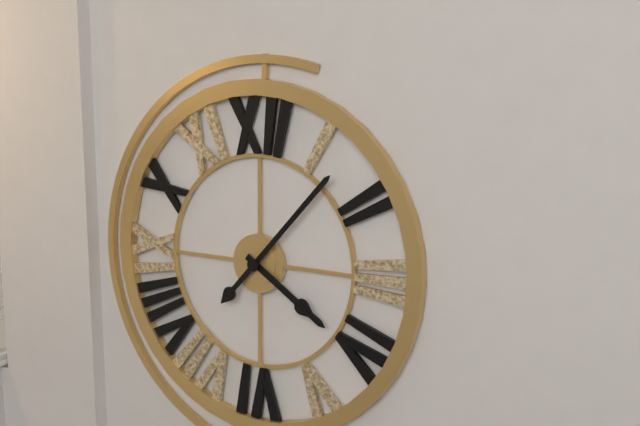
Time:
4.07
